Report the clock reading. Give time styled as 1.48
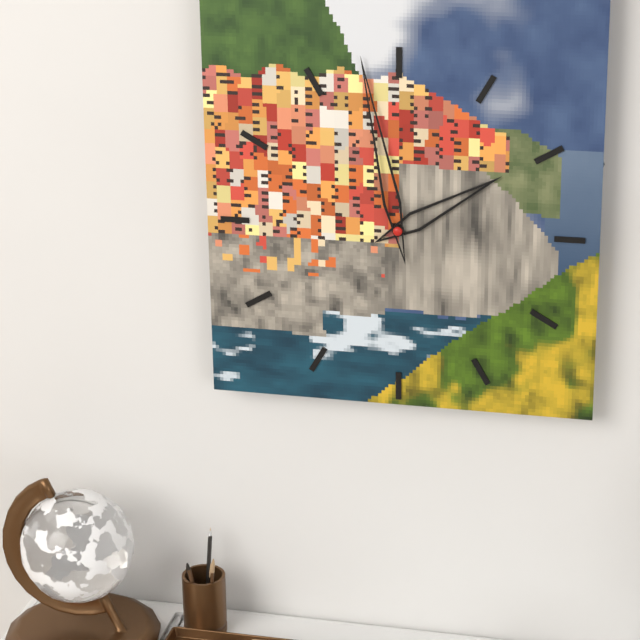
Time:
1.58
